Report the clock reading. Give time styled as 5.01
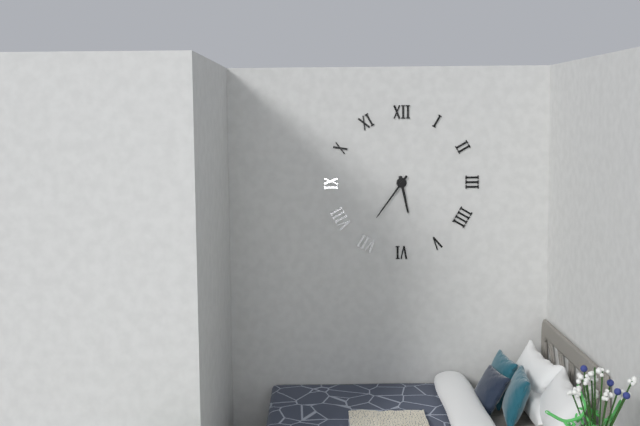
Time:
5.36
